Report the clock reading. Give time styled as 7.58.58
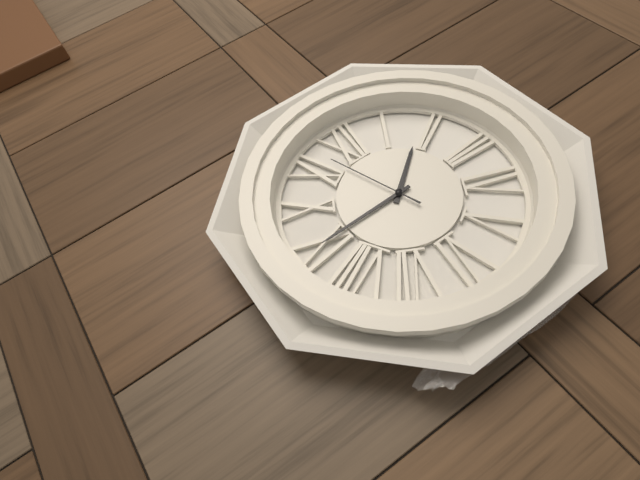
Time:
1.45.57
